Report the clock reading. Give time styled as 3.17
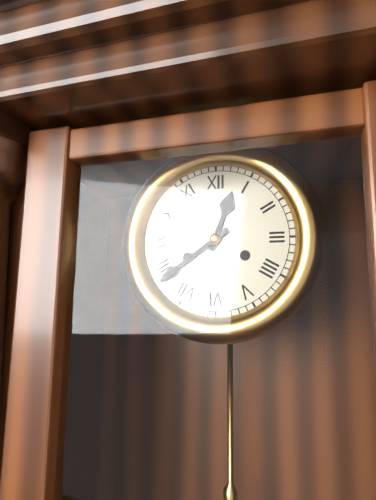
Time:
12.39
